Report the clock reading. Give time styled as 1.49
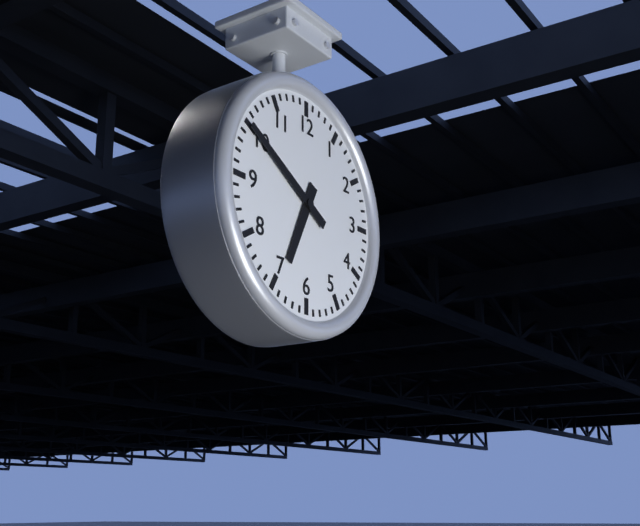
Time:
6.50
